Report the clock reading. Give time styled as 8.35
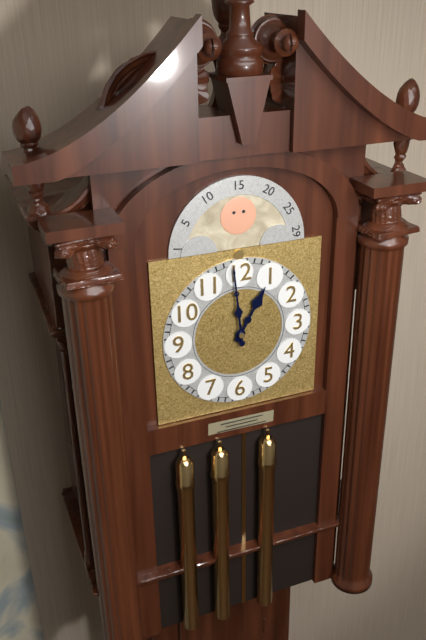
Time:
12.59
